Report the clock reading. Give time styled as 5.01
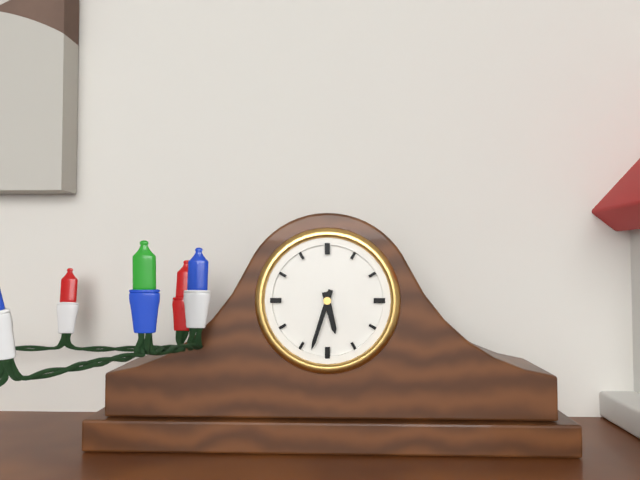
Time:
5.33
